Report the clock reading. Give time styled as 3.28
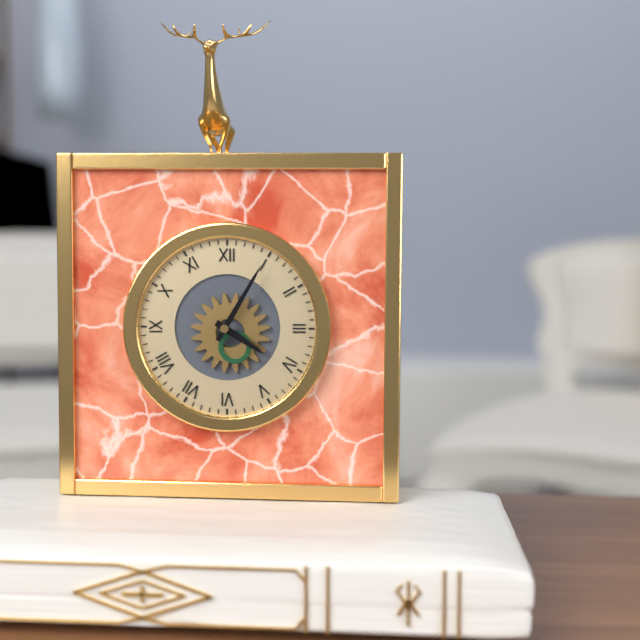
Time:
4.05
